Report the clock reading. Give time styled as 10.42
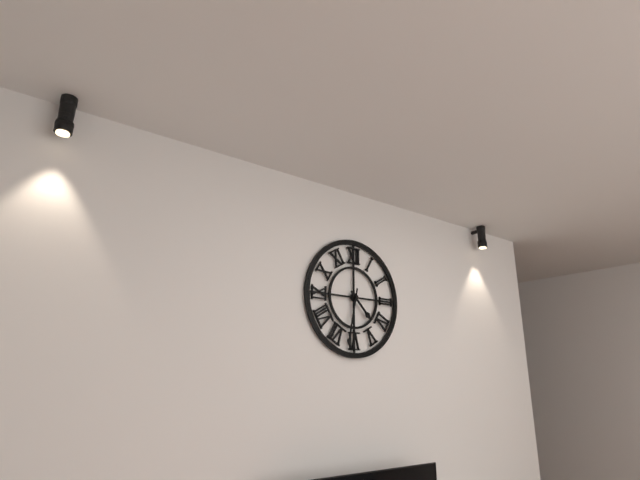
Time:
4.32
